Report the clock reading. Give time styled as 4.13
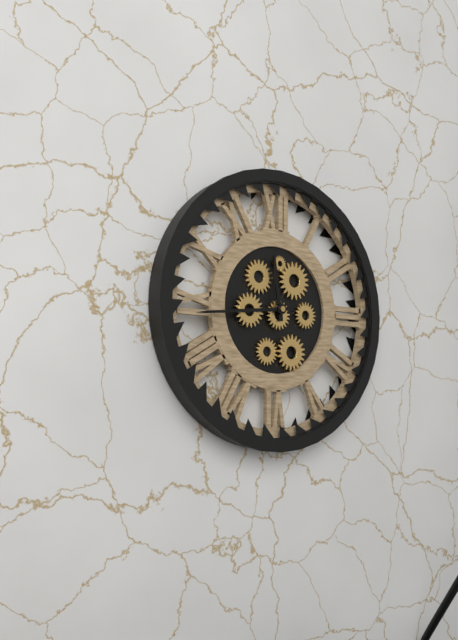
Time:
11.44
